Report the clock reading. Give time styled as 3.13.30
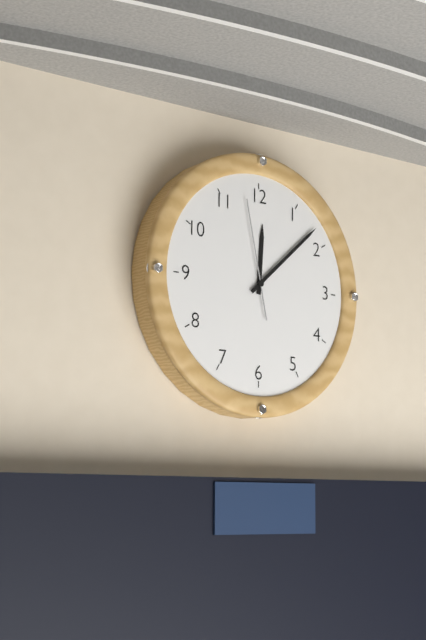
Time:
12.08.58
